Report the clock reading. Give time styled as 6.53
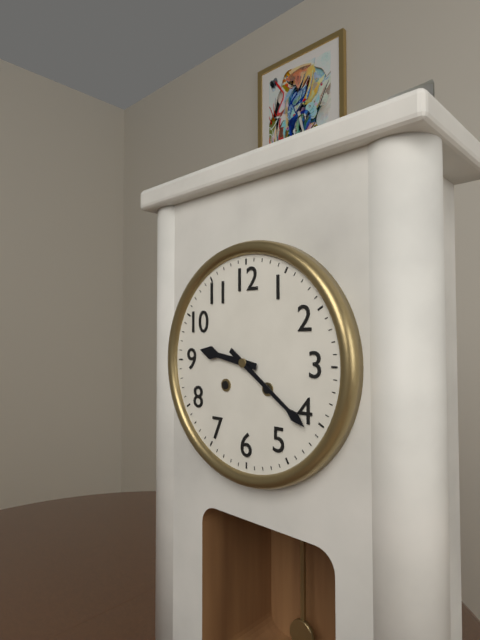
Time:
9.21
